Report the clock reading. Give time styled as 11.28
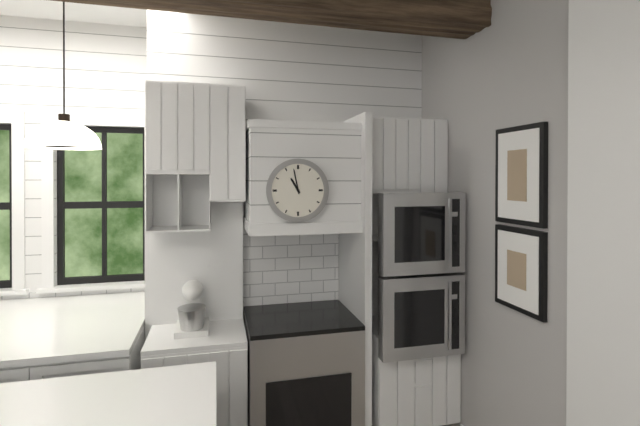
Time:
10.58
